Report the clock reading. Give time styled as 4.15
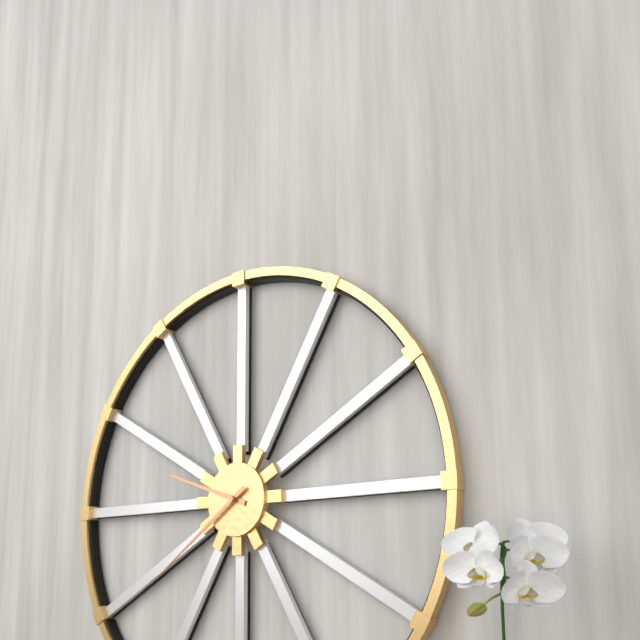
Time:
9.39
